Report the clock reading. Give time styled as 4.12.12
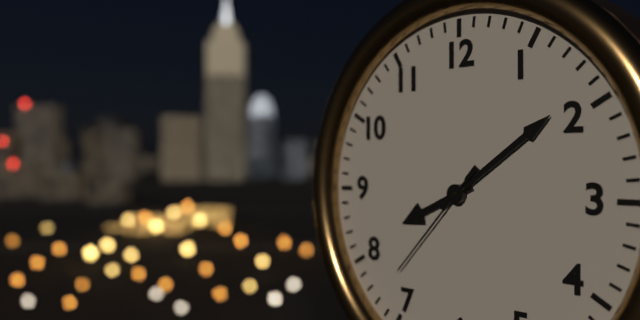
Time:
8.09.37
